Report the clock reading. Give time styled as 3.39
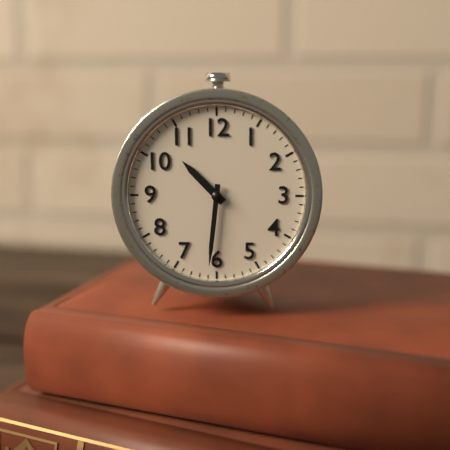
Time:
10.31
